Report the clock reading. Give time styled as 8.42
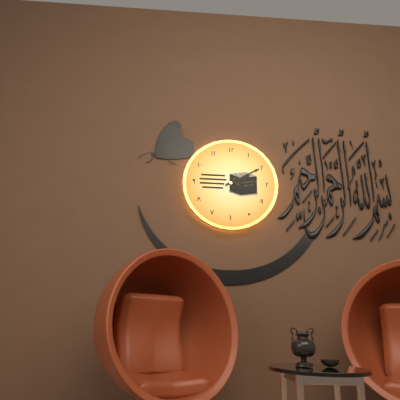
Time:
2.10
